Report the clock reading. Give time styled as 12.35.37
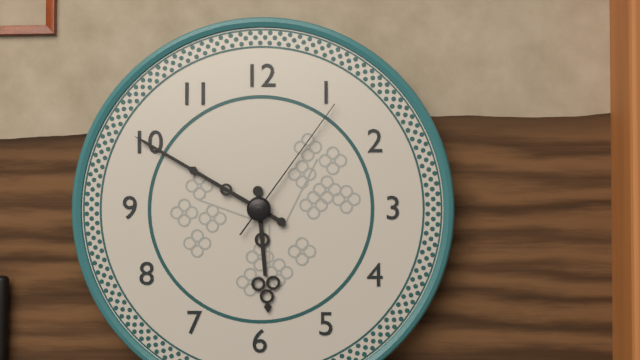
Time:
5.50.06
